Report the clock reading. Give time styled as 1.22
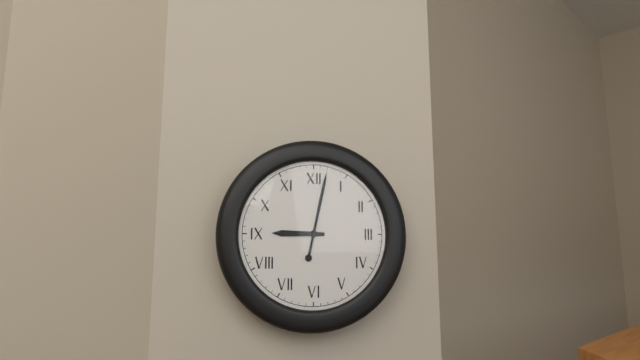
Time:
9.02
